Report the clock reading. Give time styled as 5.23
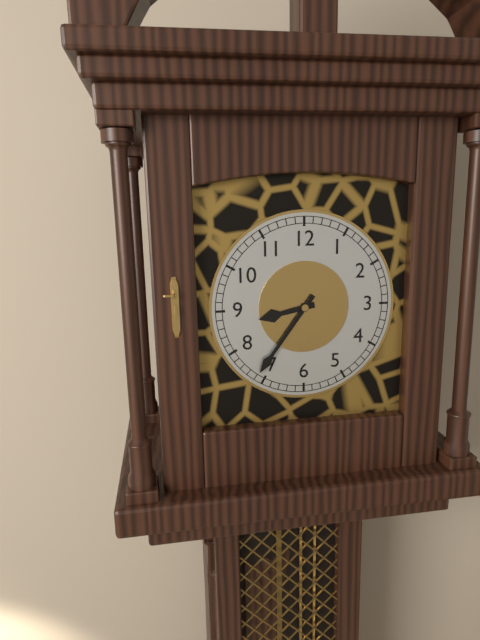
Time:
8.36
